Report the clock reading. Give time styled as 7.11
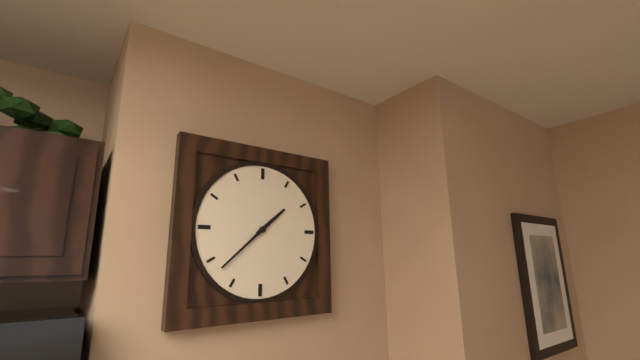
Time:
1.38
